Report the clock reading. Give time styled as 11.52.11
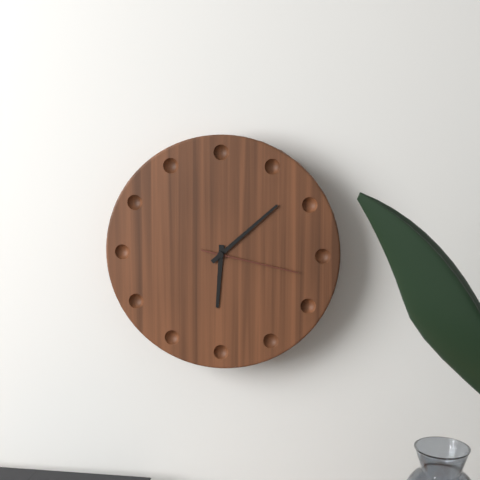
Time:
6.08.17
